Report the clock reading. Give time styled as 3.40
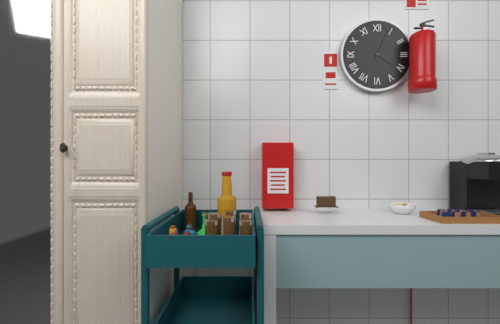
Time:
4.04
